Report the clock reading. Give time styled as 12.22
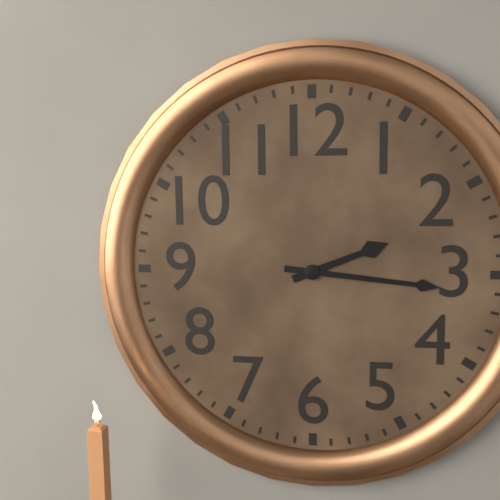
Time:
2.16
